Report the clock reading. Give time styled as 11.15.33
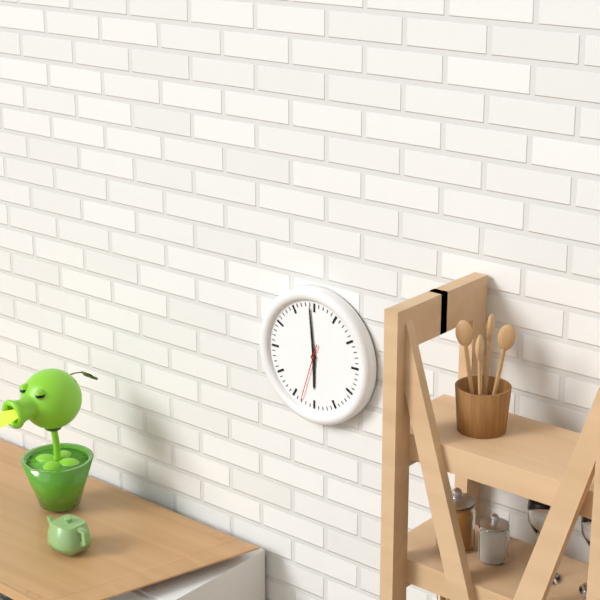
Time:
5.59.33
